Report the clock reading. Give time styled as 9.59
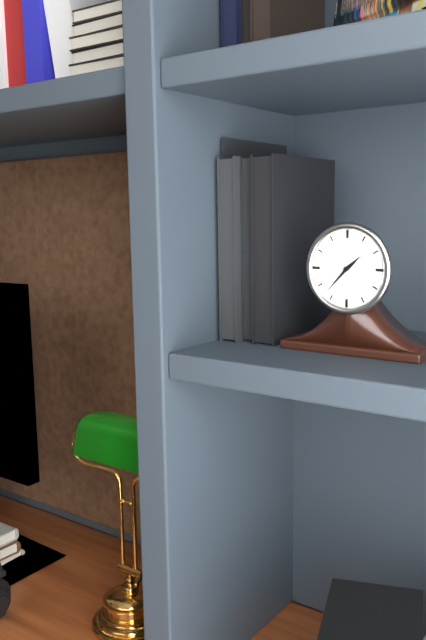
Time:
1.37
